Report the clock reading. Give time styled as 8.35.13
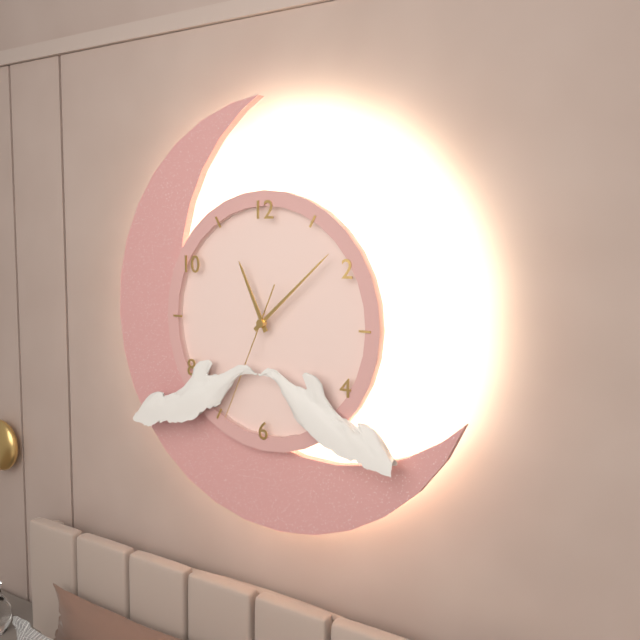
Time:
11.08.34
